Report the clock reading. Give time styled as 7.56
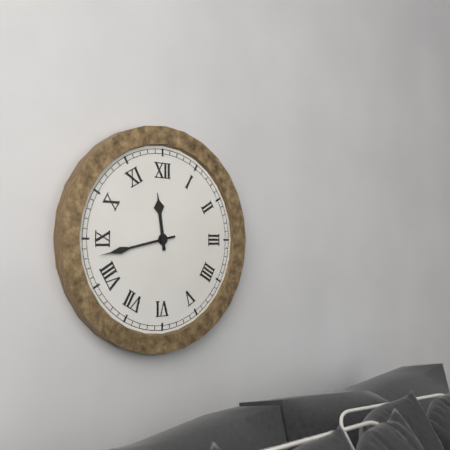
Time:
11.43
